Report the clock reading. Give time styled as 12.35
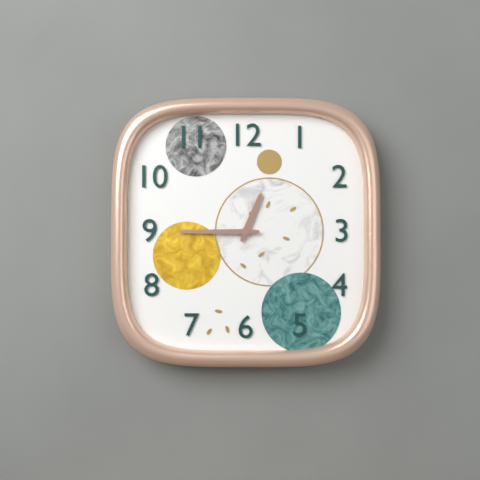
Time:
12.45
